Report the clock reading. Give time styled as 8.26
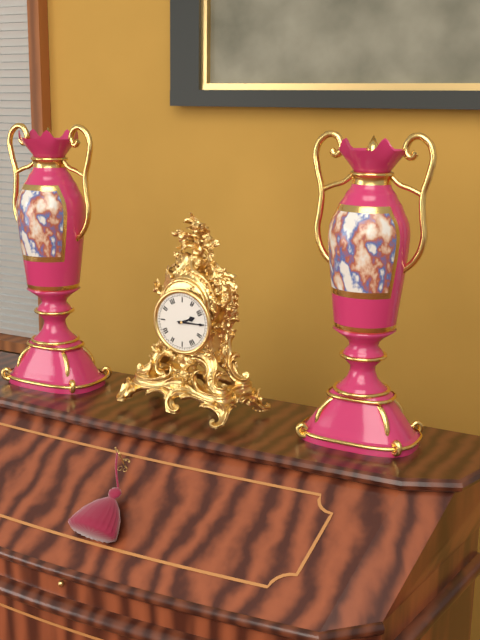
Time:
2.15
